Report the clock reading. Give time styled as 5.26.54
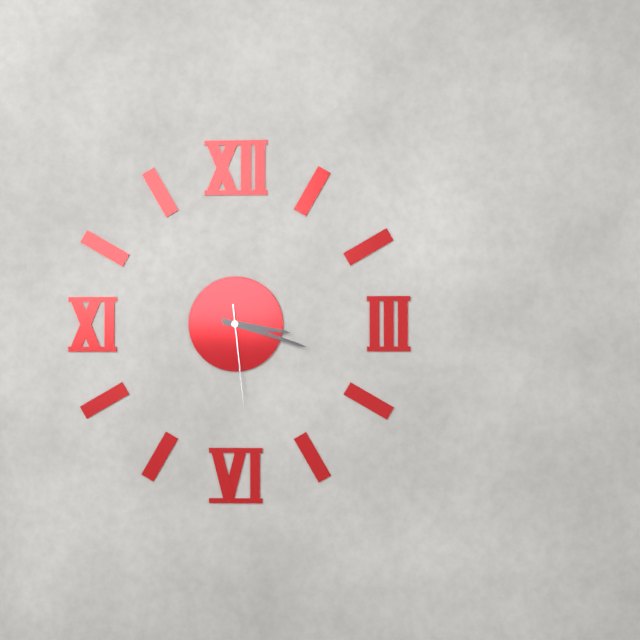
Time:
3.18.29
